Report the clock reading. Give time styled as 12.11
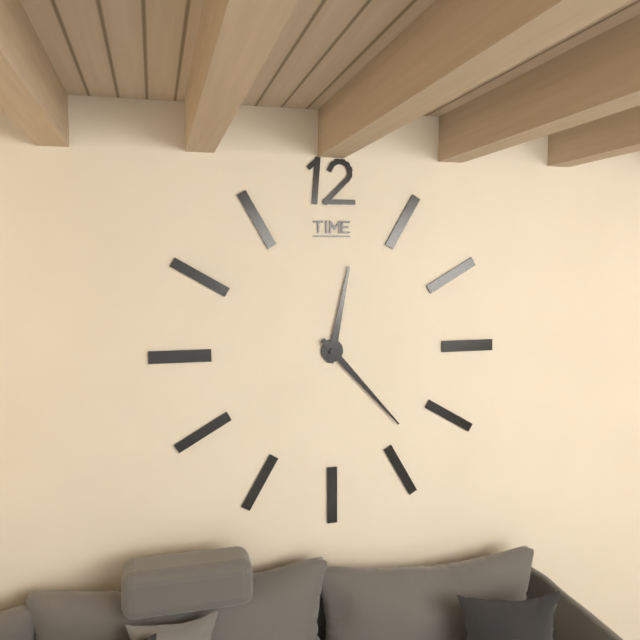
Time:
12.23
